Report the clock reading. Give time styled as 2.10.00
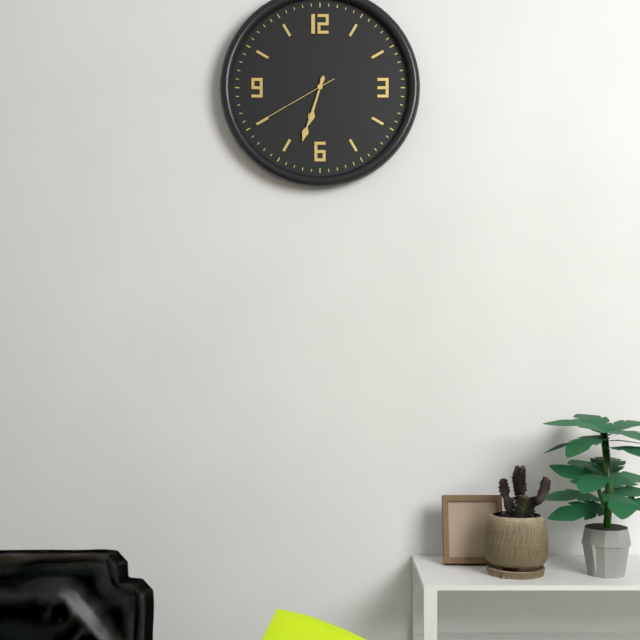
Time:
6.33.40
